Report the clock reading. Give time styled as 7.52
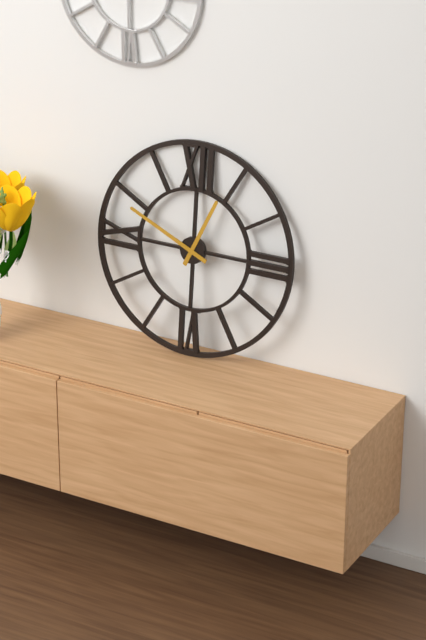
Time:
12.49
